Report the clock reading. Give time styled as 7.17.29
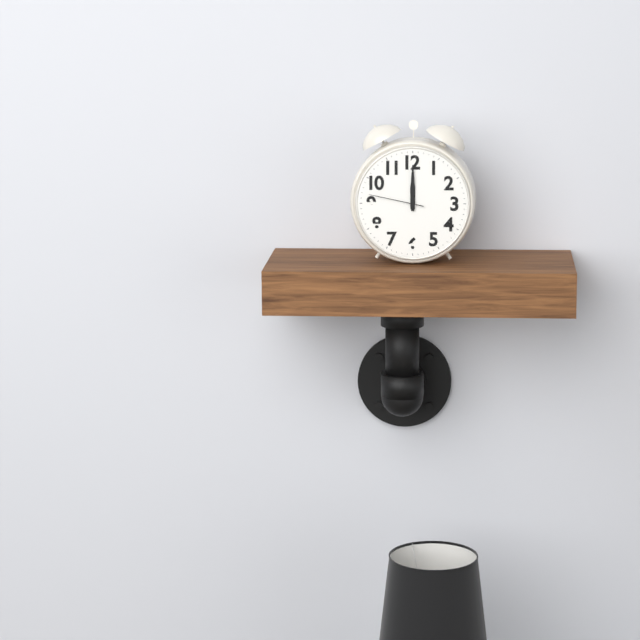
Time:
12.00.47
